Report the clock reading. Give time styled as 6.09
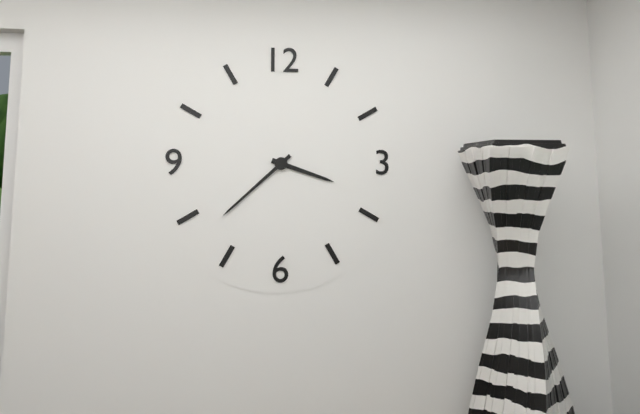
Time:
3.38
